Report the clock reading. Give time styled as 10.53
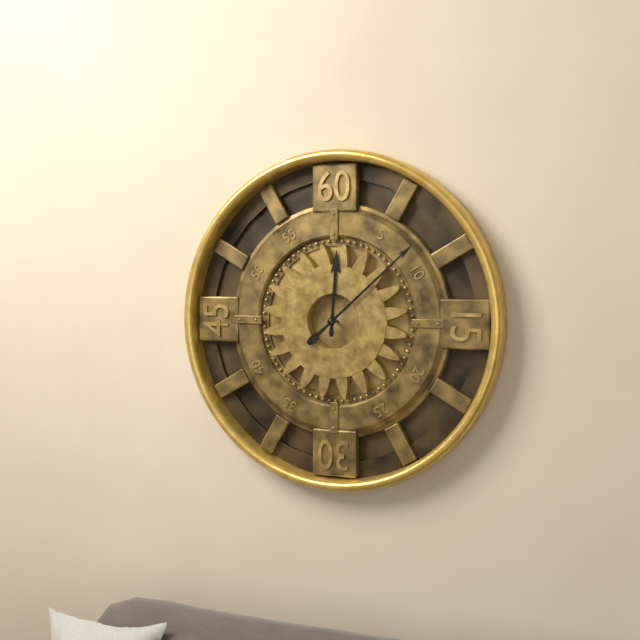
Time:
12.08
